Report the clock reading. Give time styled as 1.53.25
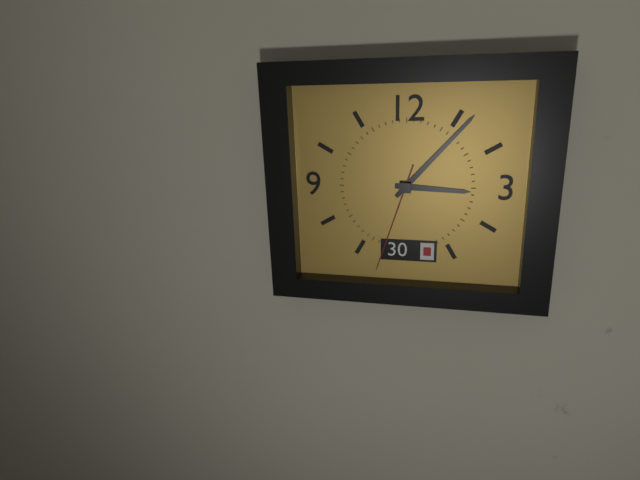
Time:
3.07.33
